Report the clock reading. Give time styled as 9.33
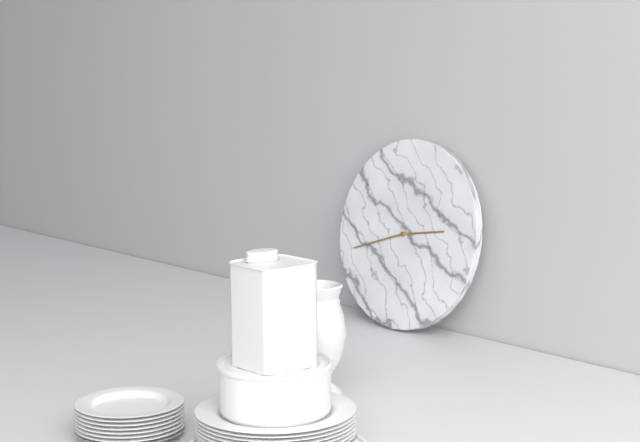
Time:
2.42
